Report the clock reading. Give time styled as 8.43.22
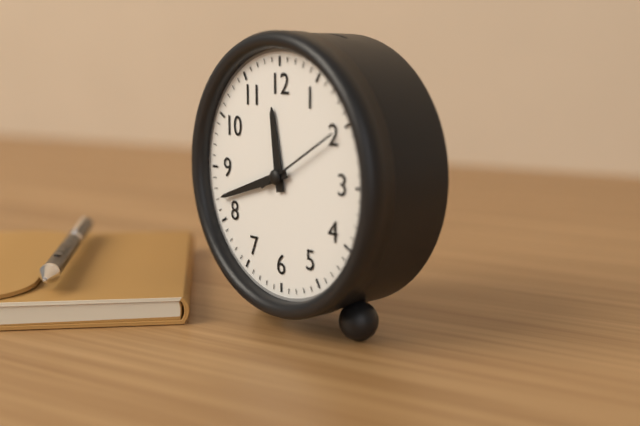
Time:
11.42.10
